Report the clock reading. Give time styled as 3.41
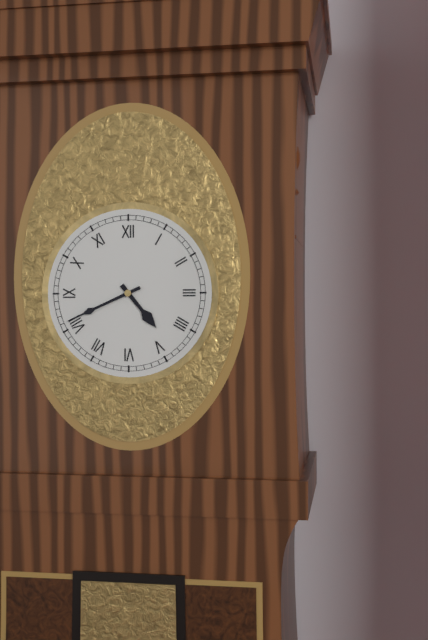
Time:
4.41
